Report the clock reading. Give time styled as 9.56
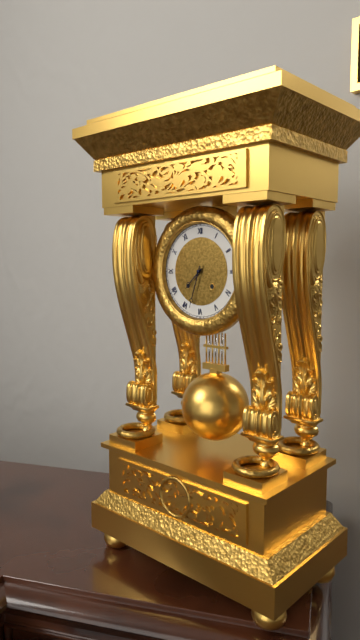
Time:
7.33
